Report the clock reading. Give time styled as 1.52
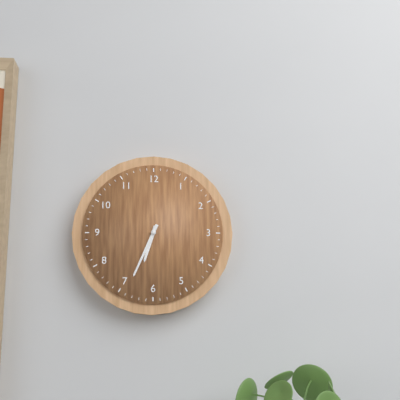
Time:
6.34
